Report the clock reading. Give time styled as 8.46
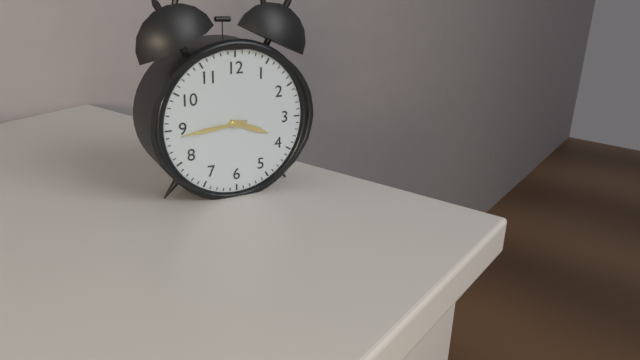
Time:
3.44
